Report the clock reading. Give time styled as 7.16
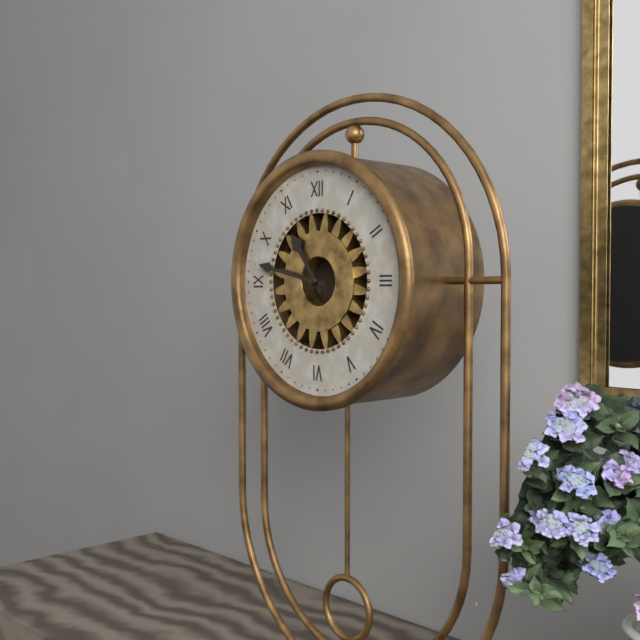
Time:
10.47
